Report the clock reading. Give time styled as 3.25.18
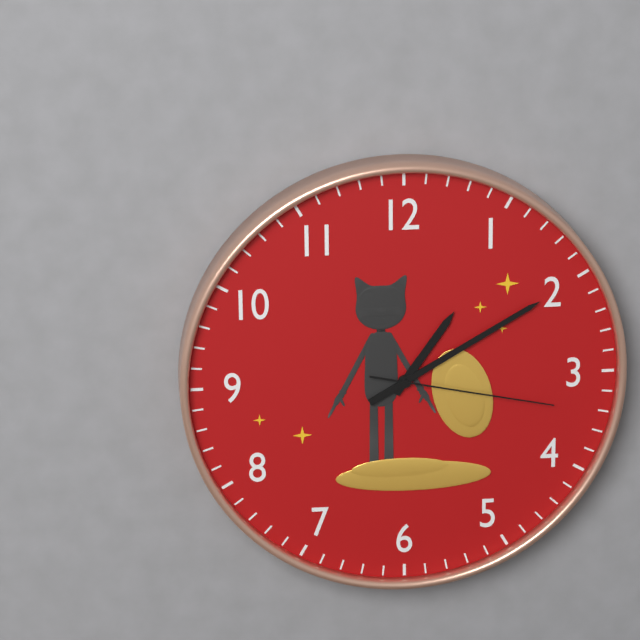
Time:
1.10.17
